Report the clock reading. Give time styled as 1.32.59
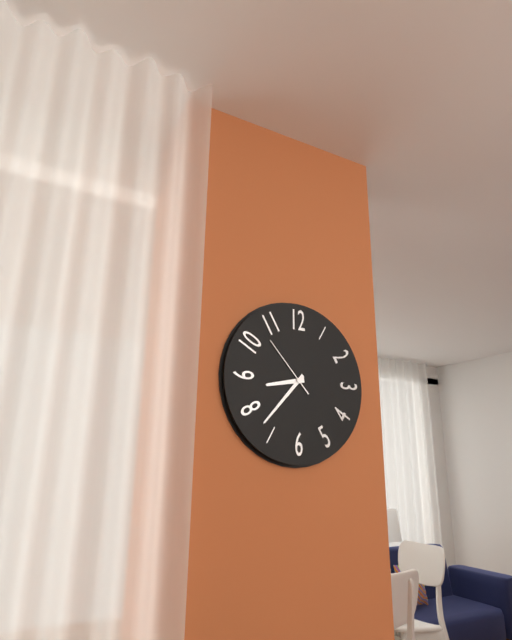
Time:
8.37.53
